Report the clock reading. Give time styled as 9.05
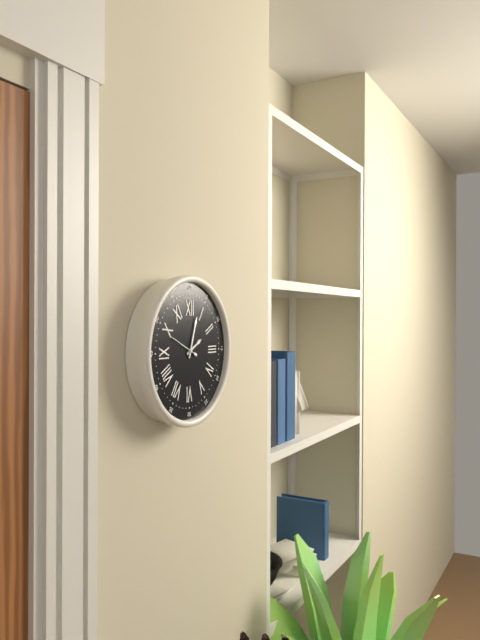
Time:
2.03
